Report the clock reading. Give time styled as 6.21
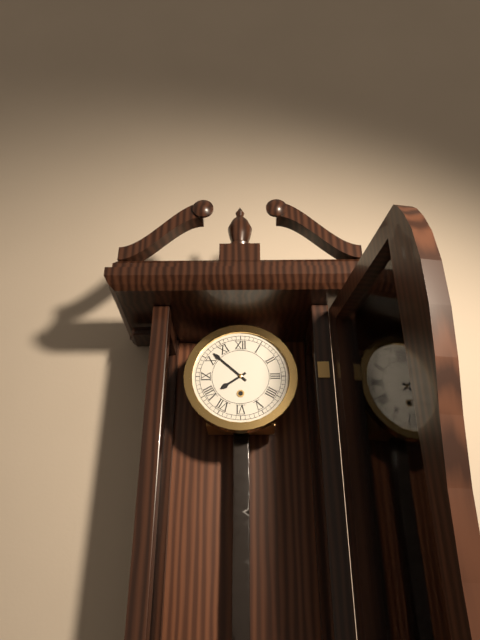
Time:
7.52
